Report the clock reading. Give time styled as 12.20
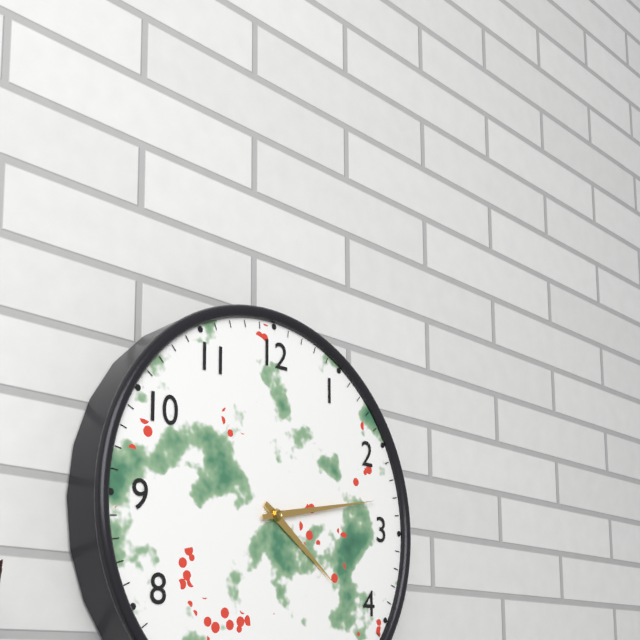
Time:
4.13
